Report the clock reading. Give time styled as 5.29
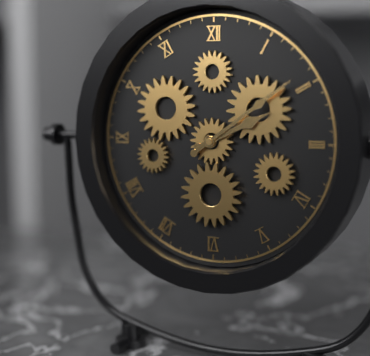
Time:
2.09
